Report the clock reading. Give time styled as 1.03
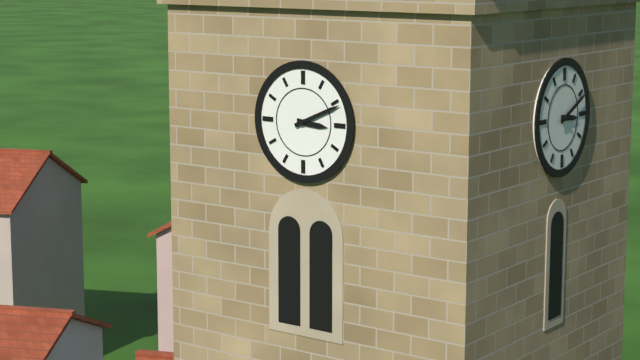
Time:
3.11
